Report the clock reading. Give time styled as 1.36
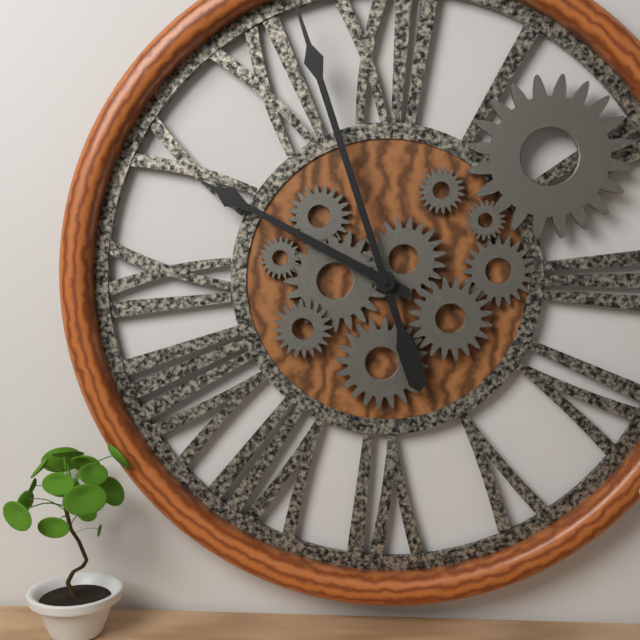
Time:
9.57
